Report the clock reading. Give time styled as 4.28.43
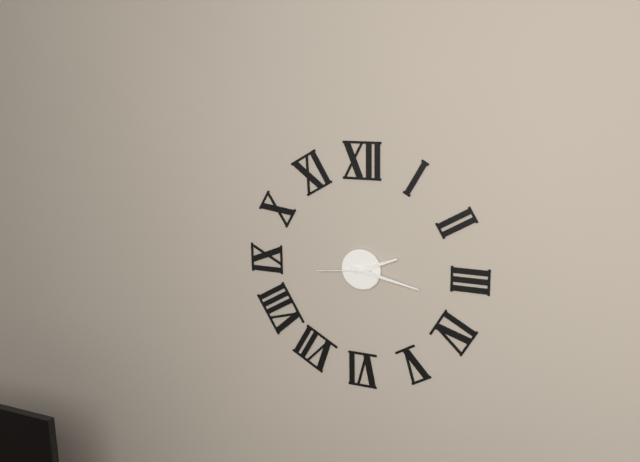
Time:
2.17.44
